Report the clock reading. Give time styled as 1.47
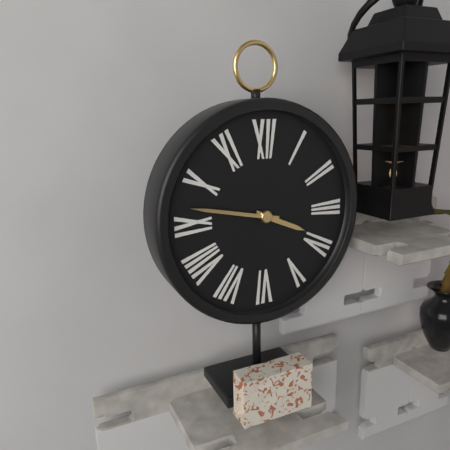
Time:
3.47
